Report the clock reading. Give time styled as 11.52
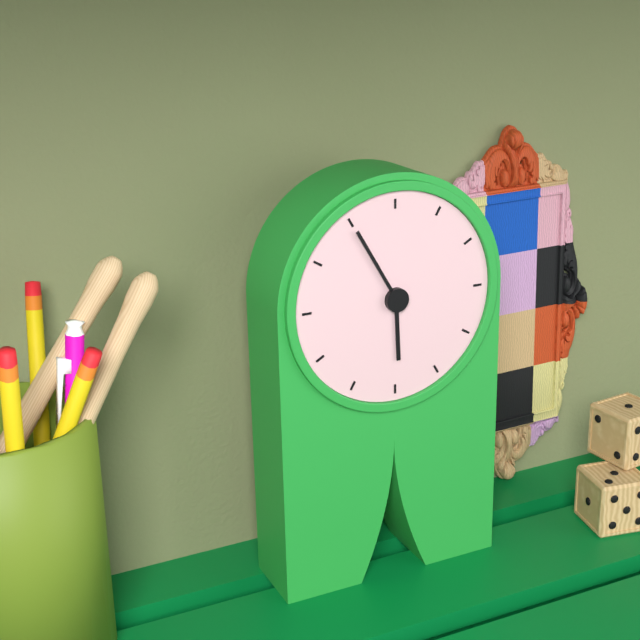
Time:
5.55
